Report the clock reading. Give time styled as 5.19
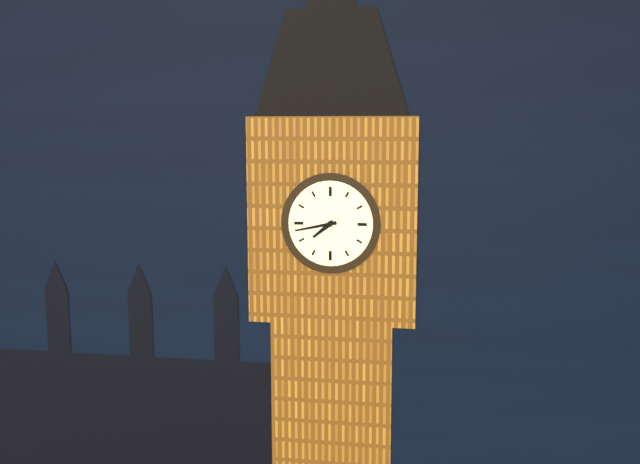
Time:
7.43
